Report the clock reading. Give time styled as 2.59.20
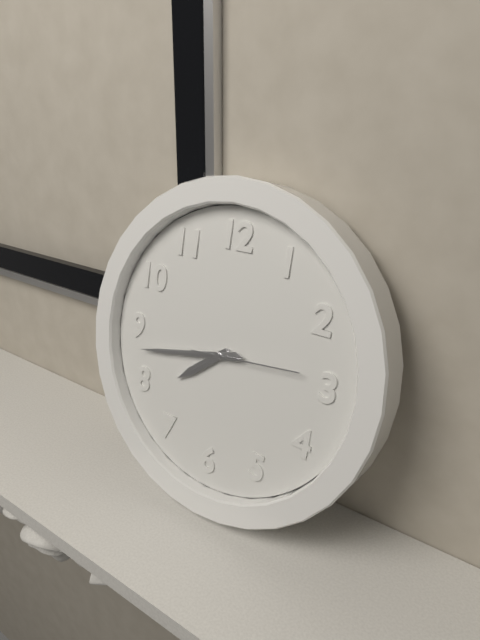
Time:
7.43.14
